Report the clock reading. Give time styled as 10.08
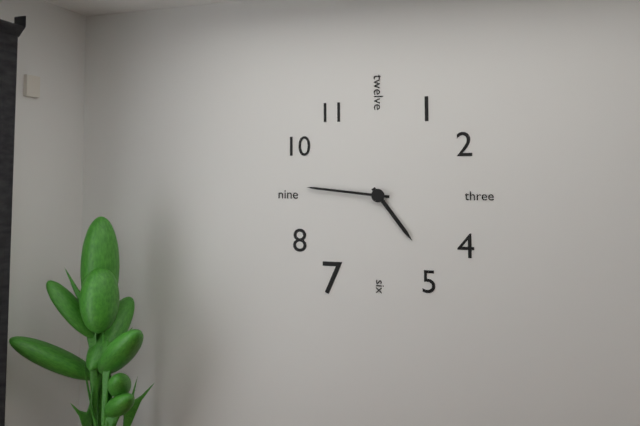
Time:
4.46
